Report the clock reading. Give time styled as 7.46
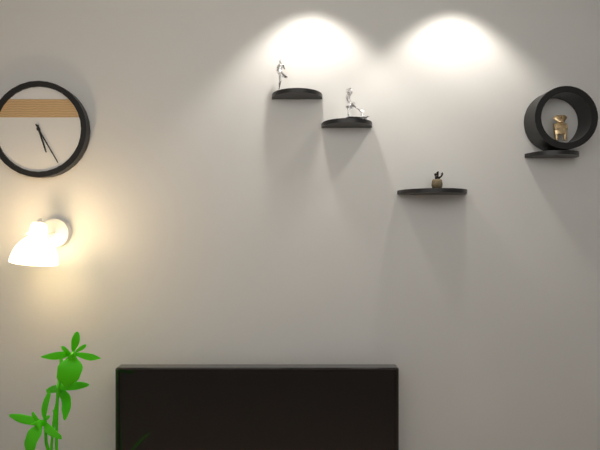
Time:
5.25
